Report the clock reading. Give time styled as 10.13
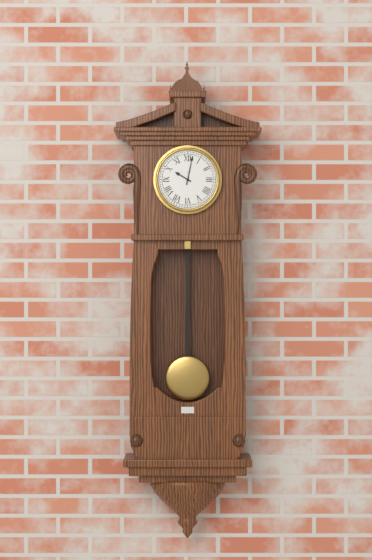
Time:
10.02
